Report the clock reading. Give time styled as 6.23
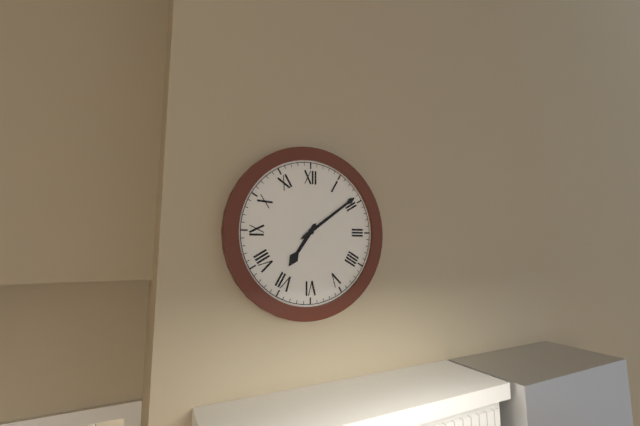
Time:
7.09
